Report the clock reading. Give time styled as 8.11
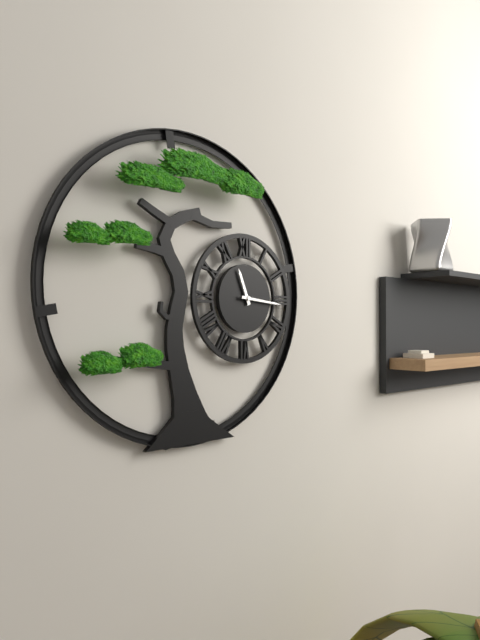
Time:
11.16
